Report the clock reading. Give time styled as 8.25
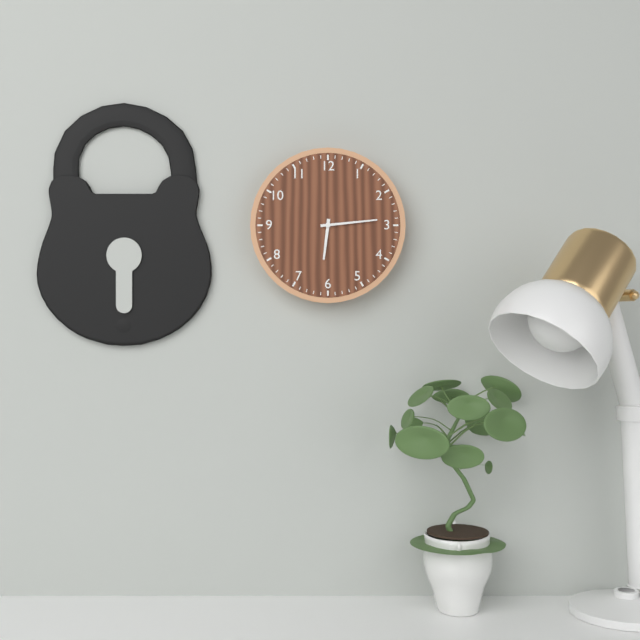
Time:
6.14
